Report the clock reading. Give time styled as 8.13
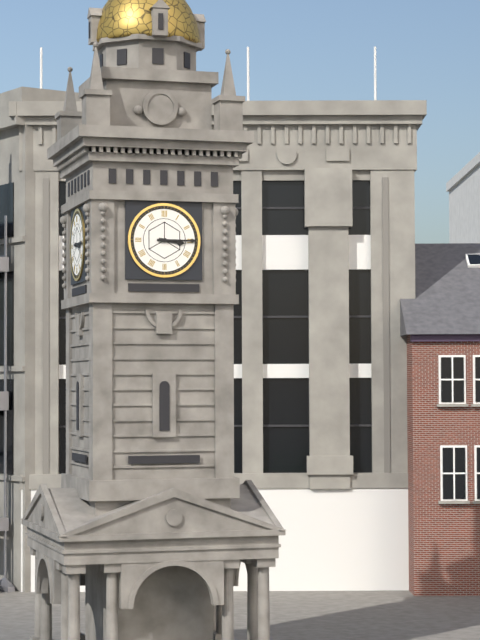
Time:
3.15
